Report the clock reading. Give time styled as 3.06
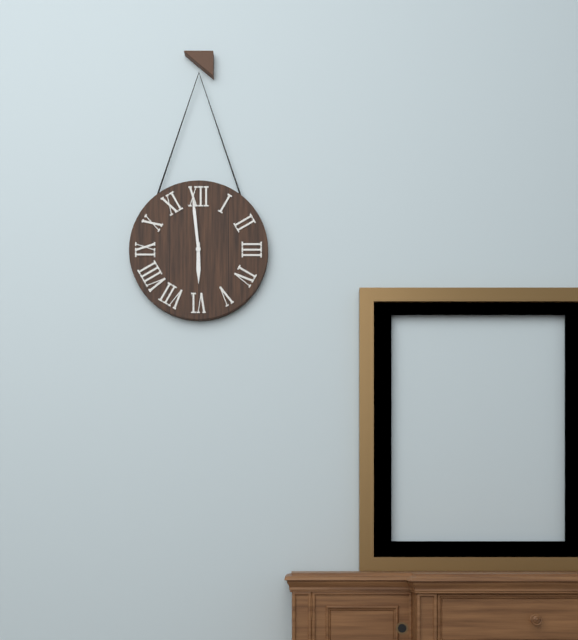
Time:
5.59
